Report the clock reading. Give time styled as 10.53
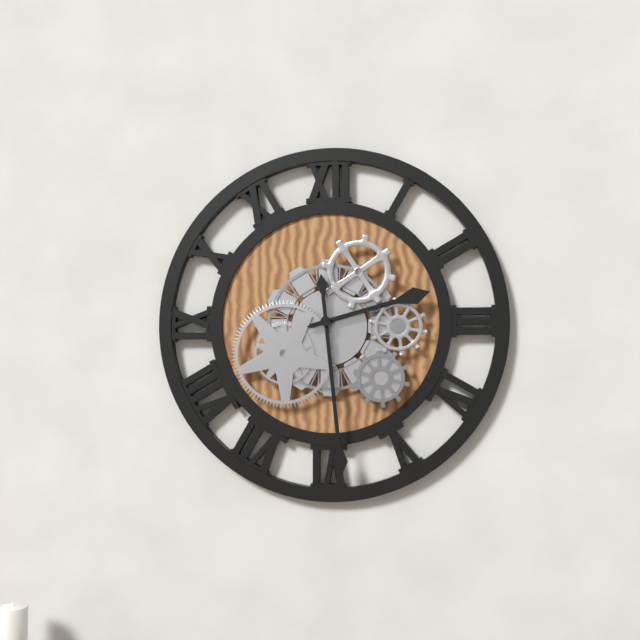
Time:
2.29
